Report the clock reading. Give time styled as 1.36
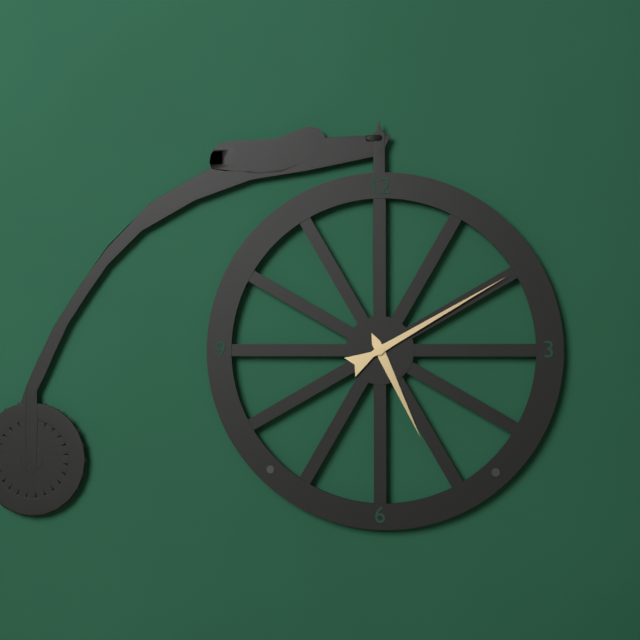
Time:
5.10
